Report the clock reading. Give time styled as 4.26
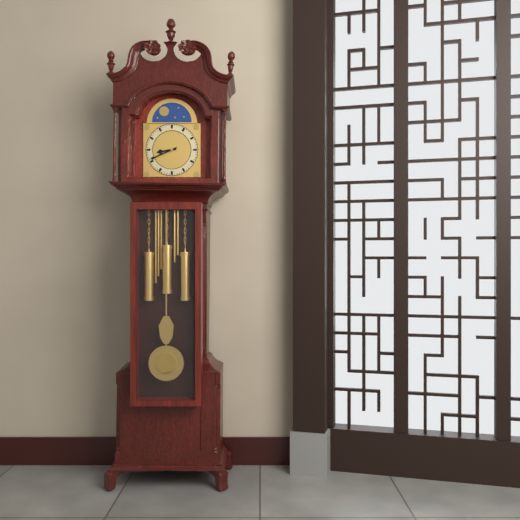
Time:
8.41
